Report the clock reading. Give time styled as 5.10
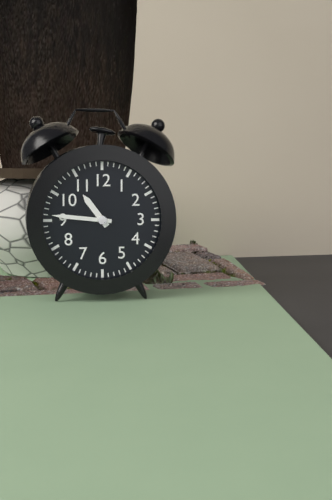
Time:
10.46
